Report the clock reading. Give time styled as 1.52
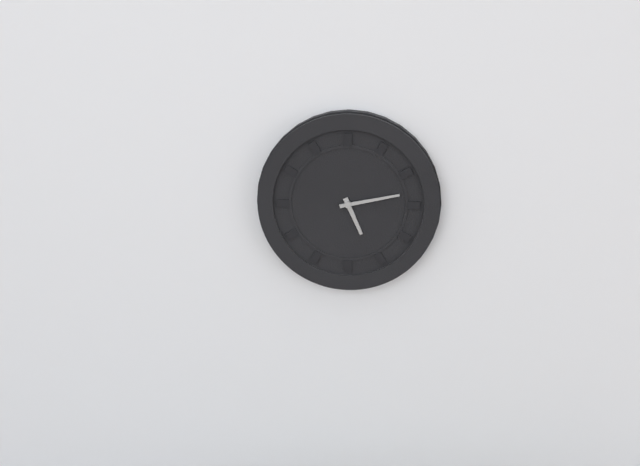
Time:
5.13
